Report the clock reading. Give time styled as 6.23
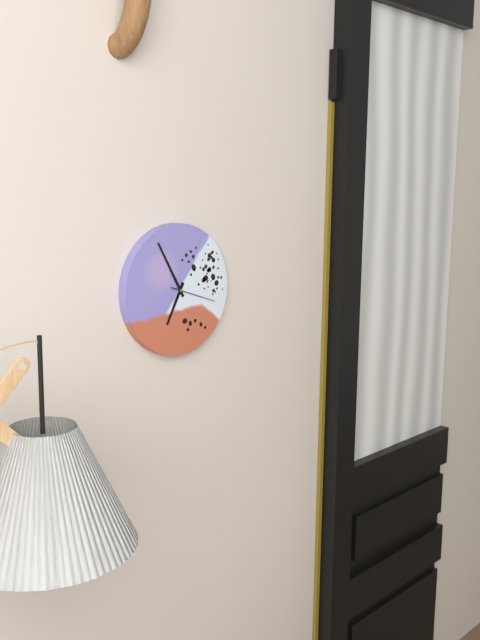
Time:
6.55
